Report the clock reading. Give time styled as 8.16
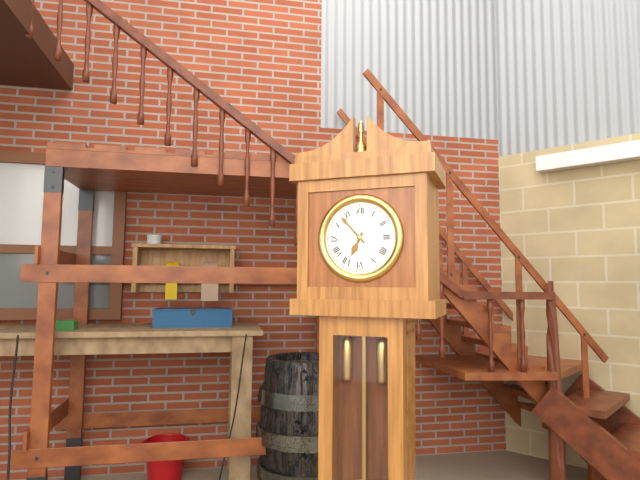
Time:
6.53
